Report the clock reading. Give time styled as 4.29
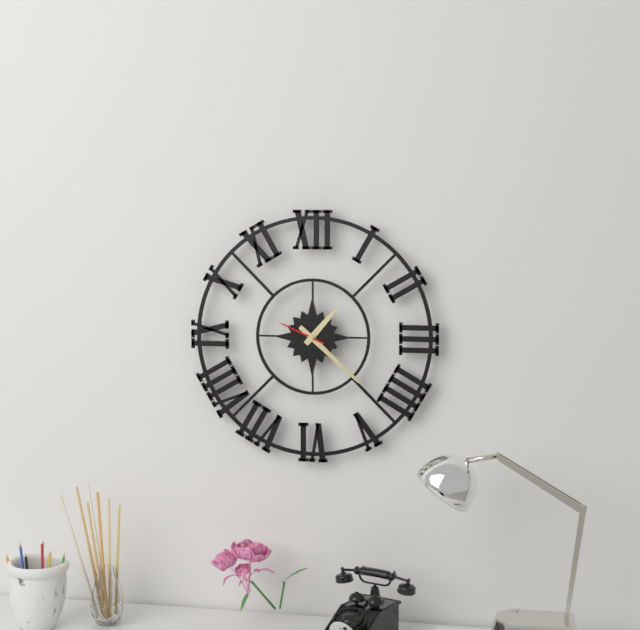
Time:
1.22
